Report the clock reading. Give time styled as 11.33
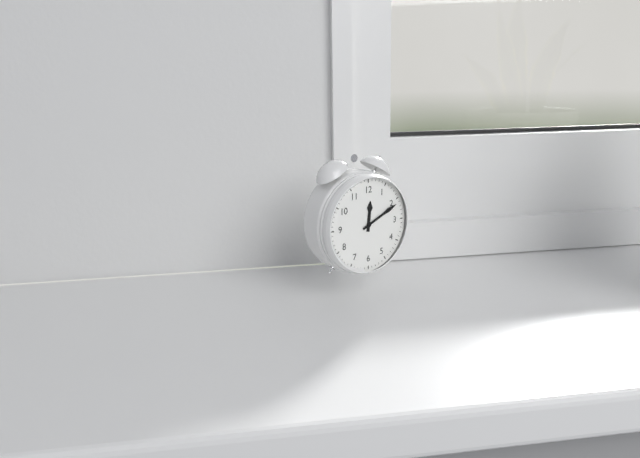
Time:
12.11
